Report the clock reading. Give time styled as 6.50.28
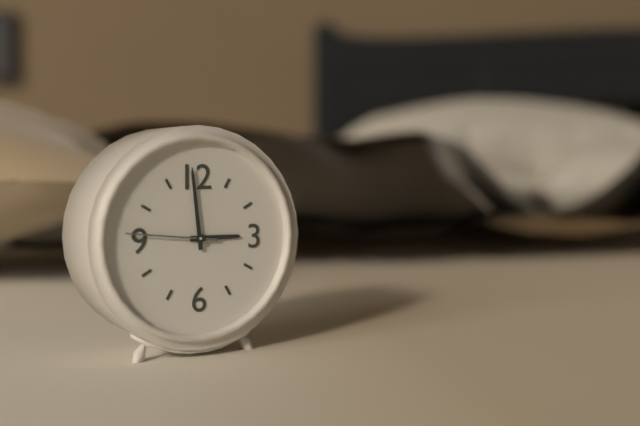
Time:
2.59.46
